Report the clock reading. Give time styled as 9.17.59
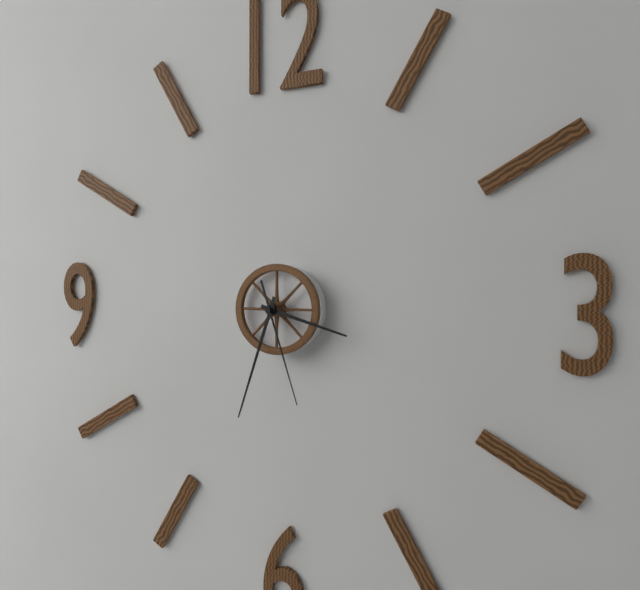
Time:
3.33.27
